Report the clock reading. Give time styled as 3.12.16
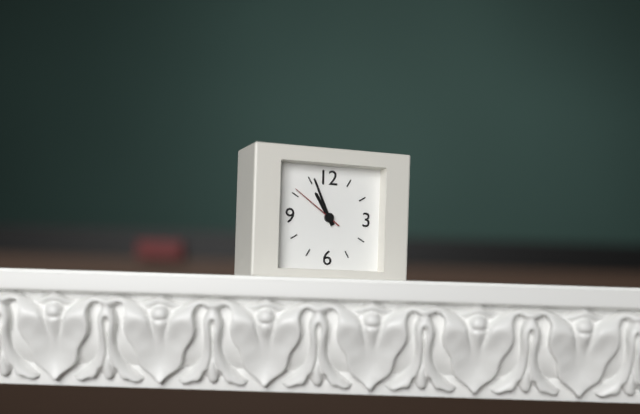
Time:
10.56.51
